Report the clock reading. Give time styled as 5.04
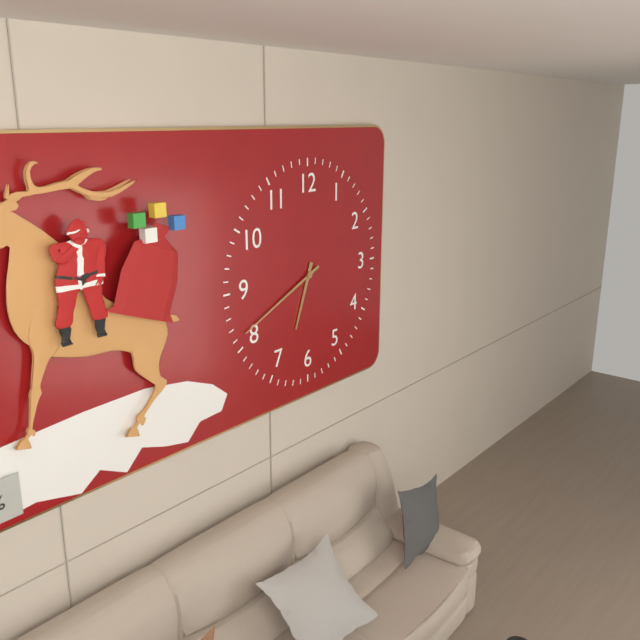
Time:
6.41
